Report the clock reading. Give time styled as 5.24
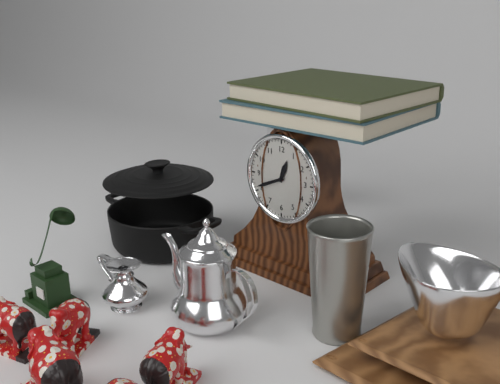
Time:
12.41
